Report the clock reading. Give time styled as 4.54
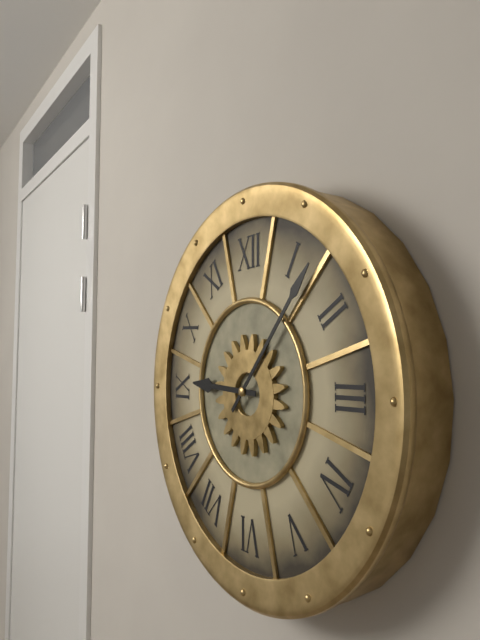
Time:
9.07
